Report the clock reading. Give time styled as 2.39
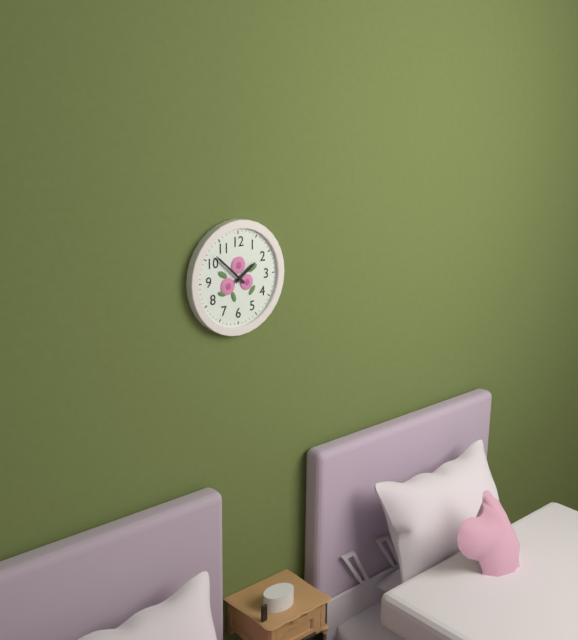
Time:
1.52
